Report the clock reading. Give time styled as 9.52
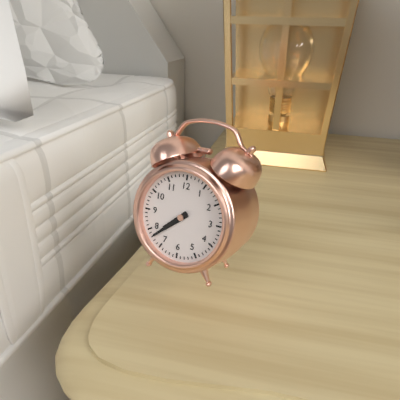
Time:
7.38
